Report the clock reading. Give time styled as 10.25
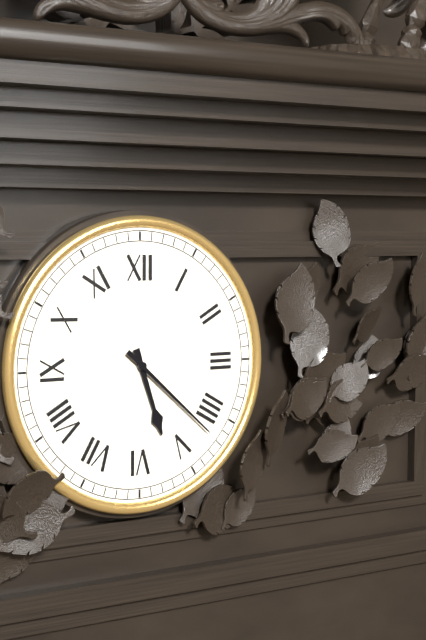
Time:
5.22
